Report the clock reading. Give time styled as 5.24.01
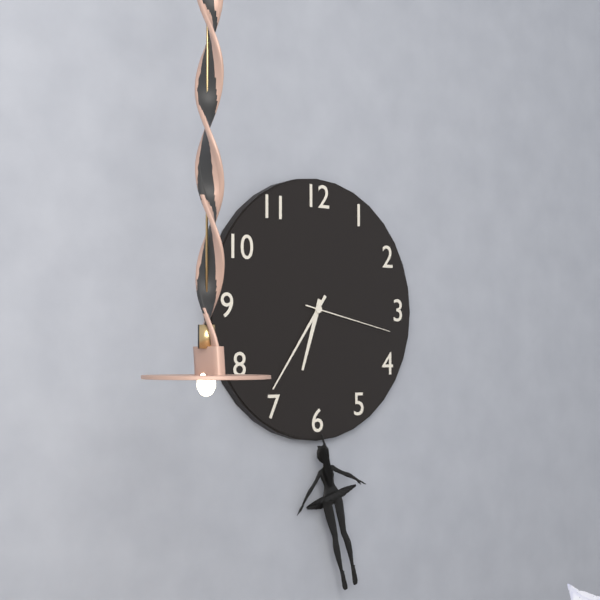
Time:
6.36.17
